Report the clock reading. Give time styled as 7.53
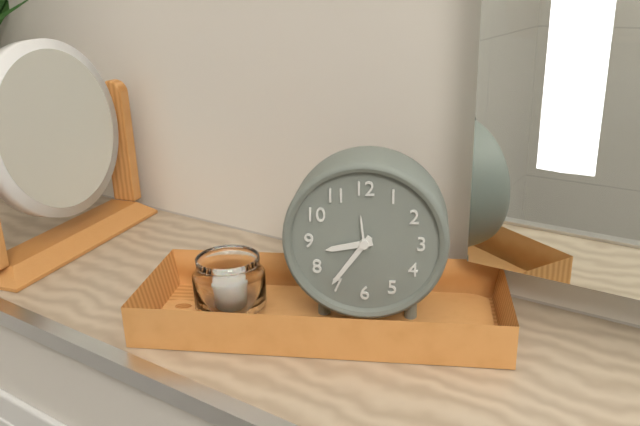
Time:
8.36
